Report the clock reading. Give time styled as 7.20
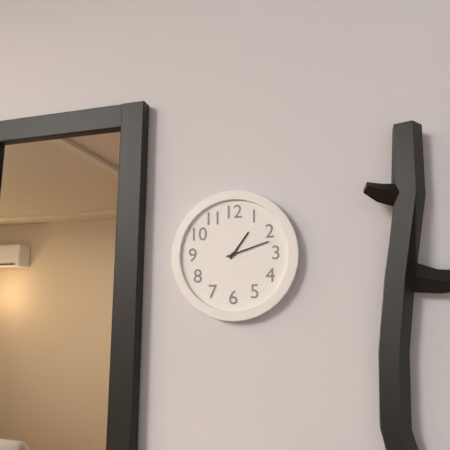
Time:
1.12
